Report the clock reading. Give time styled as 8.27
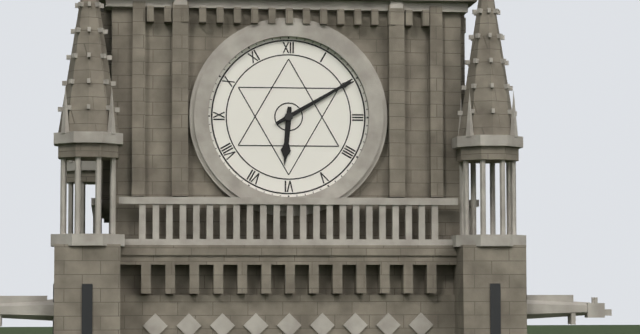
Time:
6.10
